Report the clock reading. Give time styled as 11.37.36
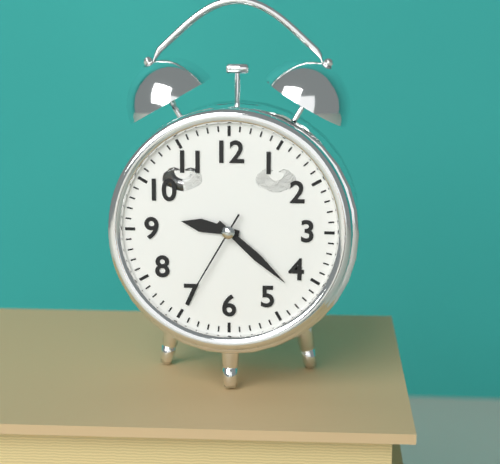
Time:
9.22.35
